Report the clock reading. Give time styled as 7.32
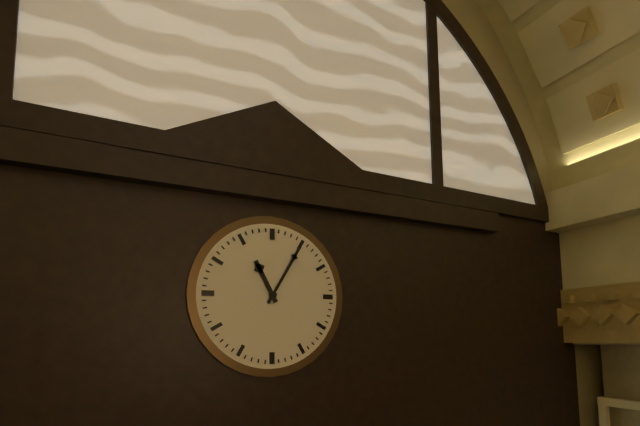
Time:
11.05
